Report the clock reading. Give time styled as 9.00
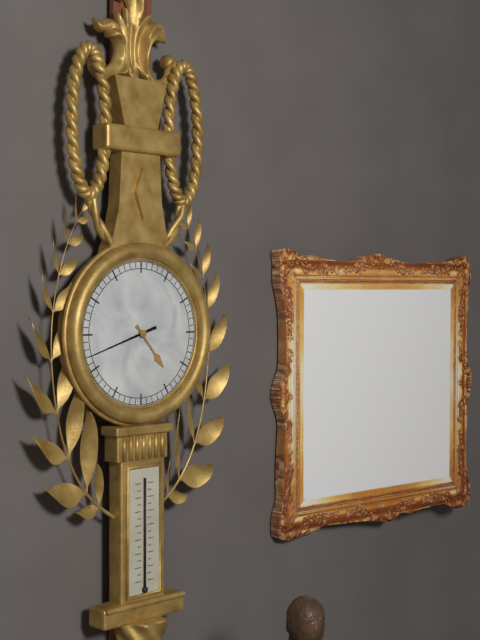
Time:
4.42
